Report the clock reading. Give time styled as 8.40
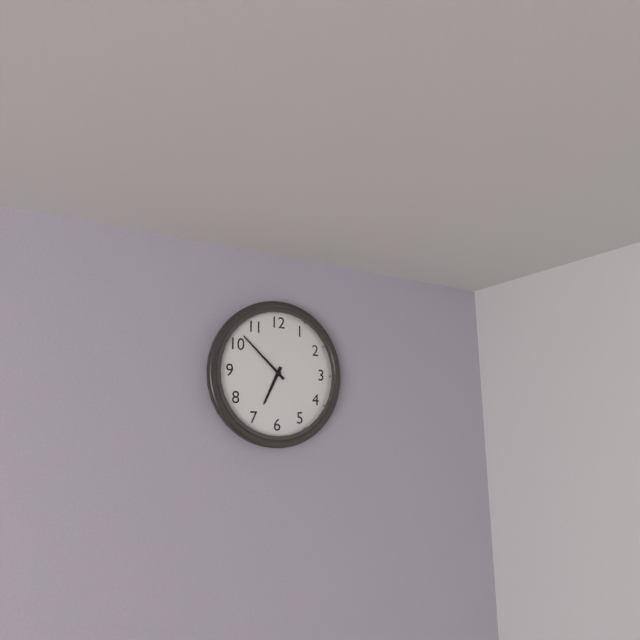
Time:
6.52
